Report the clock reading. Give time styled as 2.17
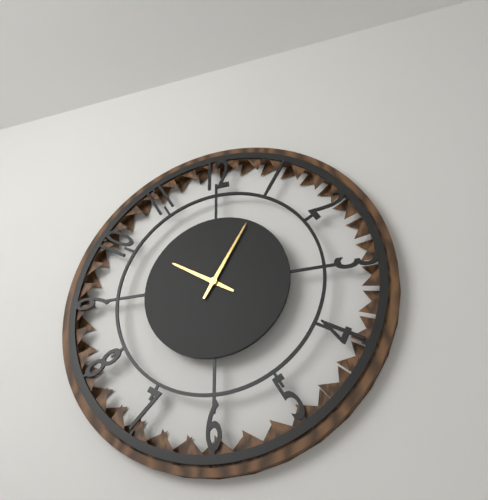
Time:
10.05
